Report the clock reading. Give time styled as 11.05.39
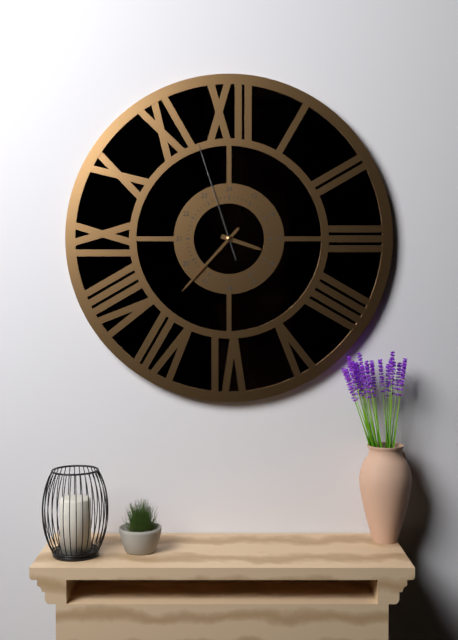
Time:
3.37.57
